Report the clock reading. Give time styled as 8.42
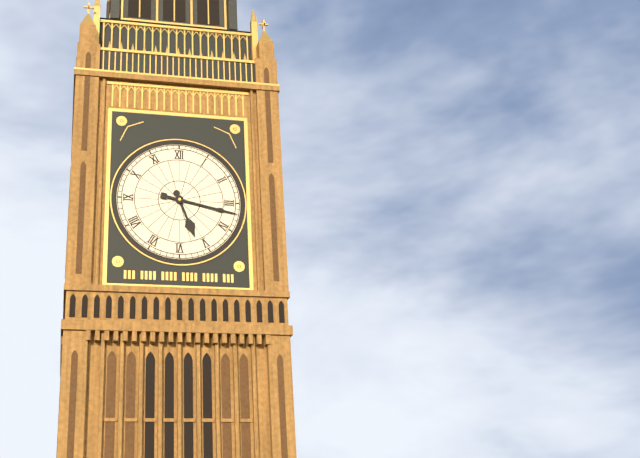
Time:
5.17
